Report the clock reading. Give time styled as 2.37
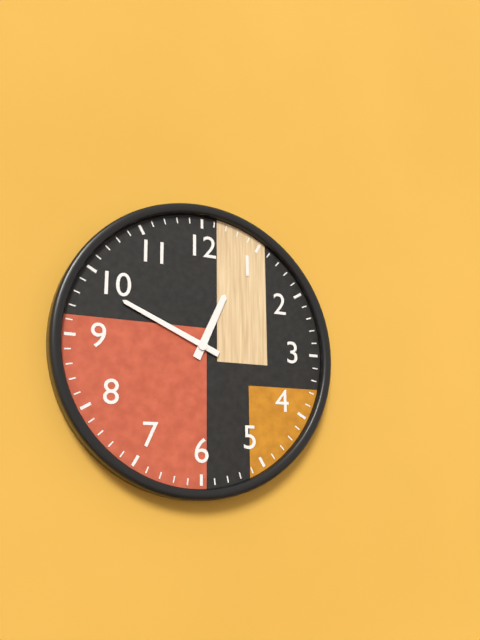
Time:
12.49
